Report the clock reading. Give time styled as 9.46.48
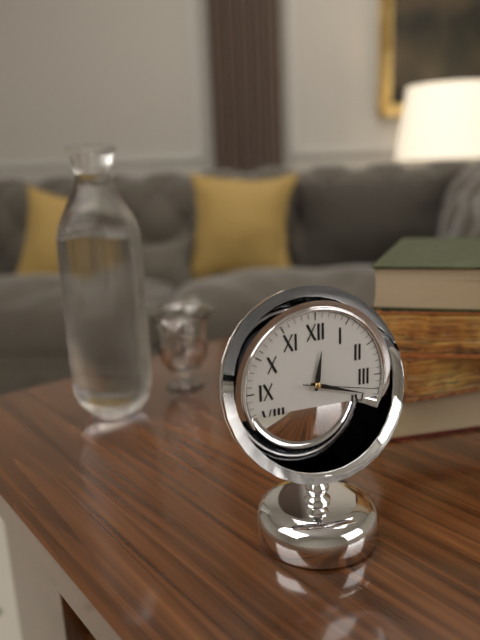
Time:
12.18.17
